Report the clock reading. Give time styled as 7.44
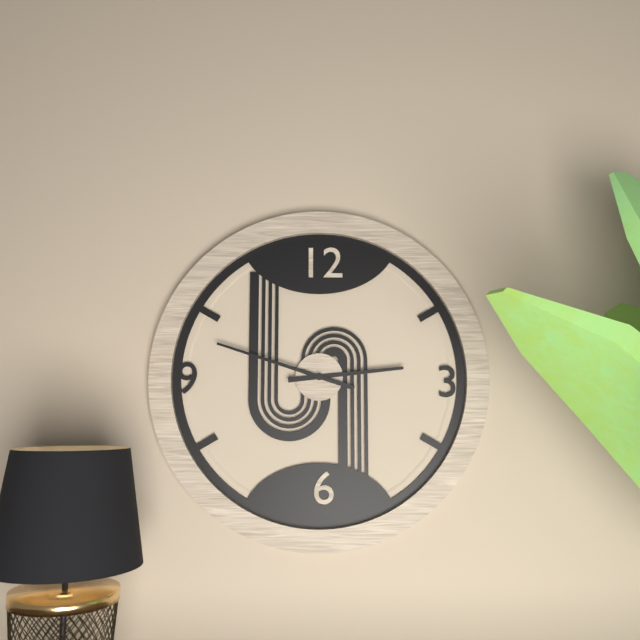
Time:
2.48
